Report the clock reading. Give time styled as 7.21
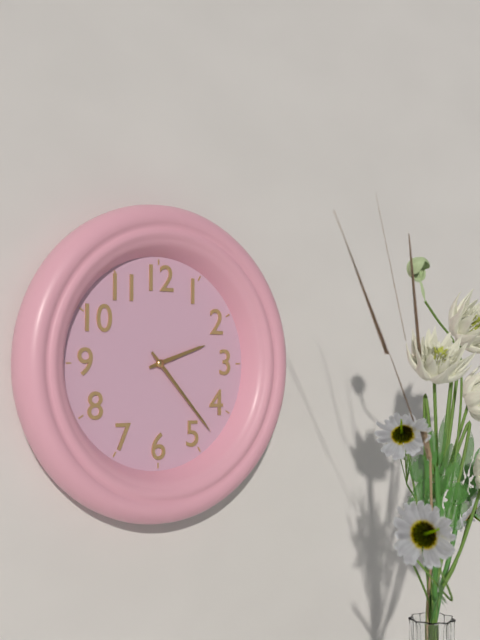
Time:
2.23
